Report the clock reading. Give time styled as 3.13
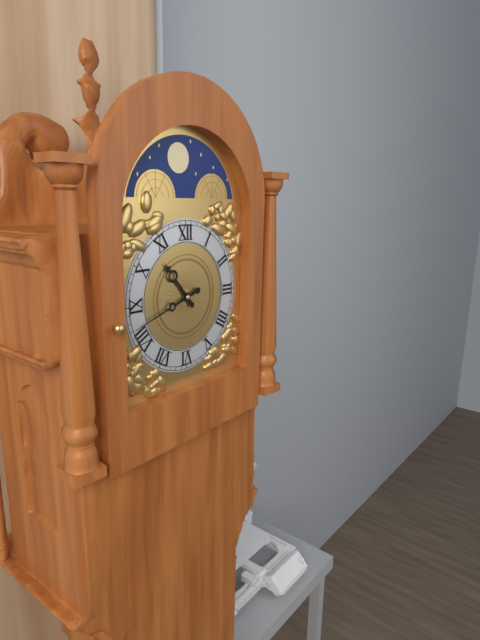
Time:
10.42
